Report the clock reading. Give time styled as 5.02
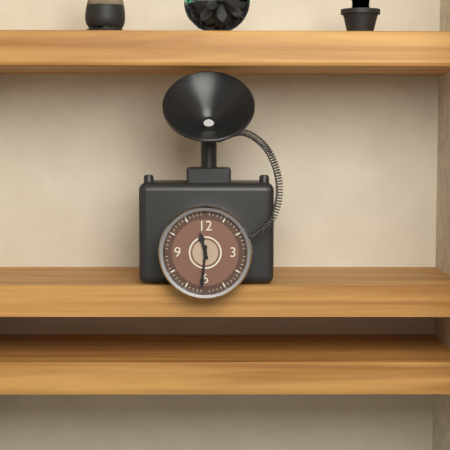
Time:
11.31
